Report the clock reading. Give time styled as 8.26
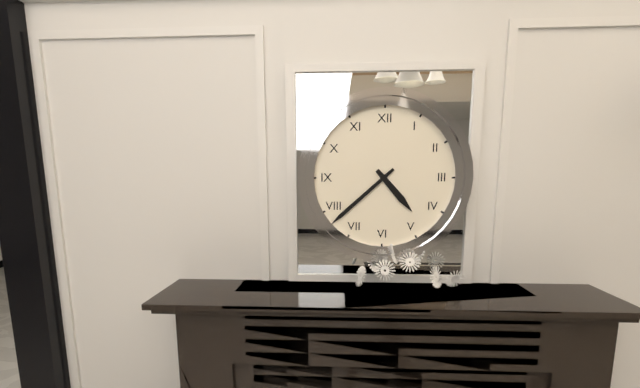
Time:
4.38
